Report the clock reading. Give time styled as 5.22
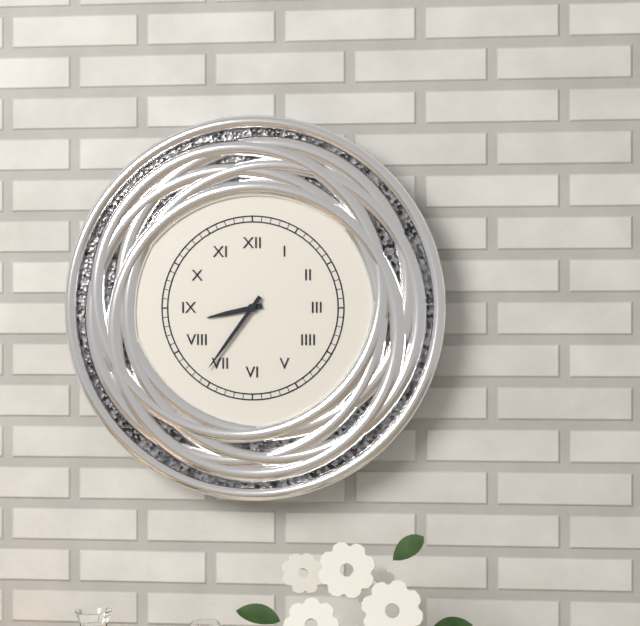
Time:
8.36
